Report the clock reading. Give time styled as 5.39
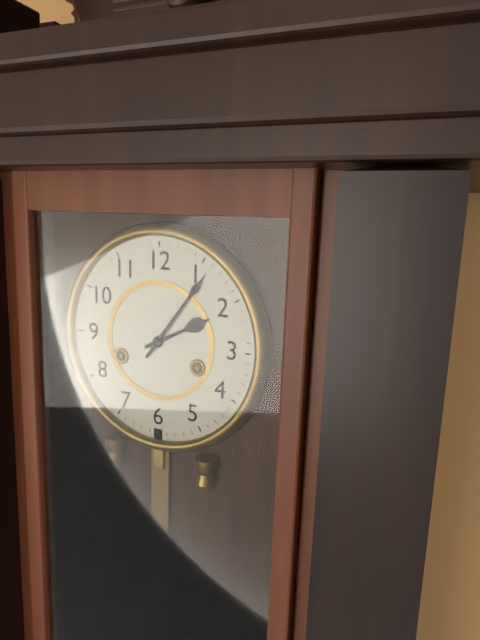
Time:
2.06
